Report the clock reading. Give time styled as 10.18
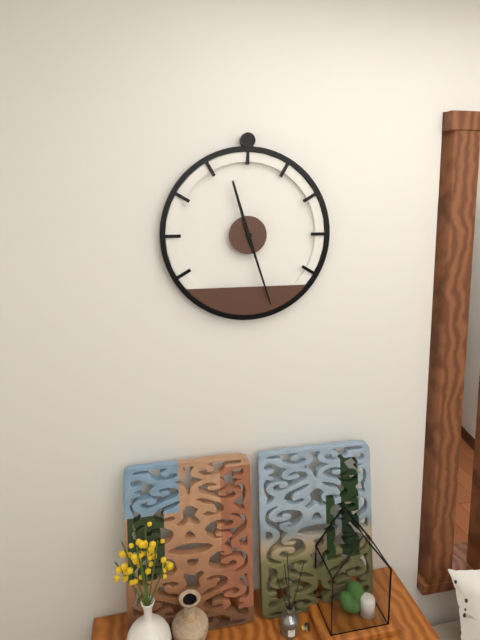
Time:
11.27
